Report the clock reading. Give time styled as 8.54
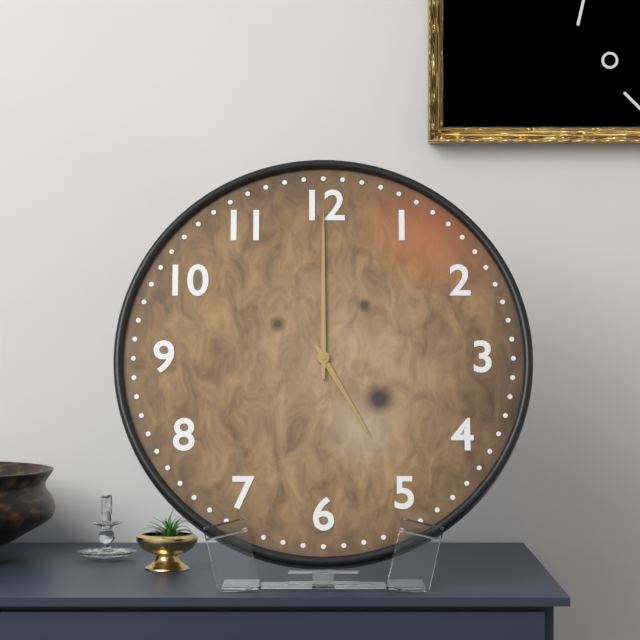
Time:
5.00
